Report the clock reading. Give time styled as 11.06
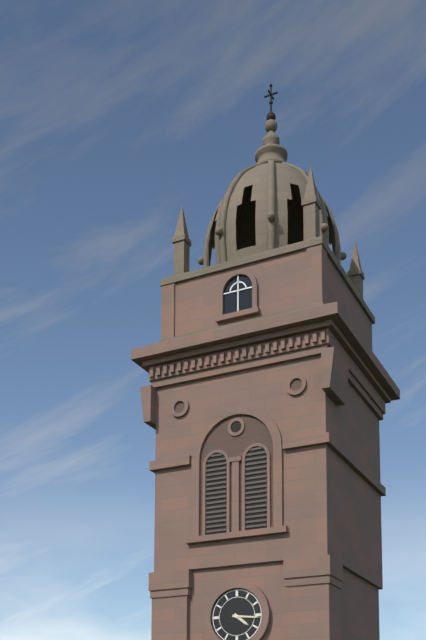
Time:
4.16
